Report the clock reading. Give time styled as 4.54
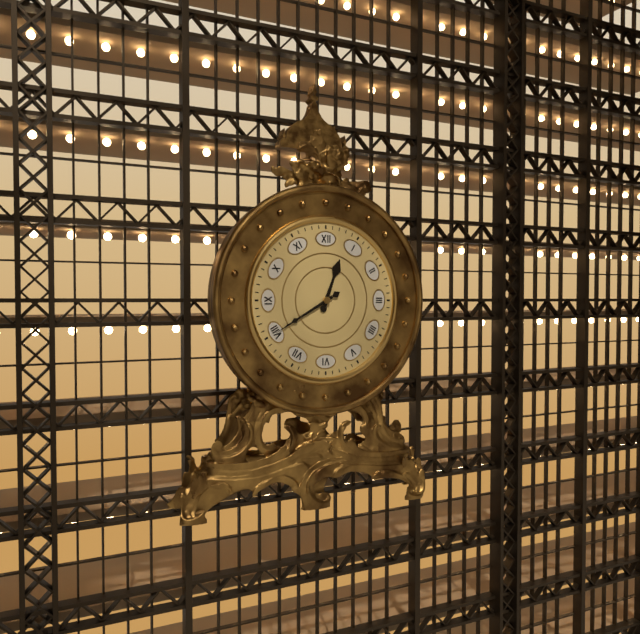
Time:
12.40
